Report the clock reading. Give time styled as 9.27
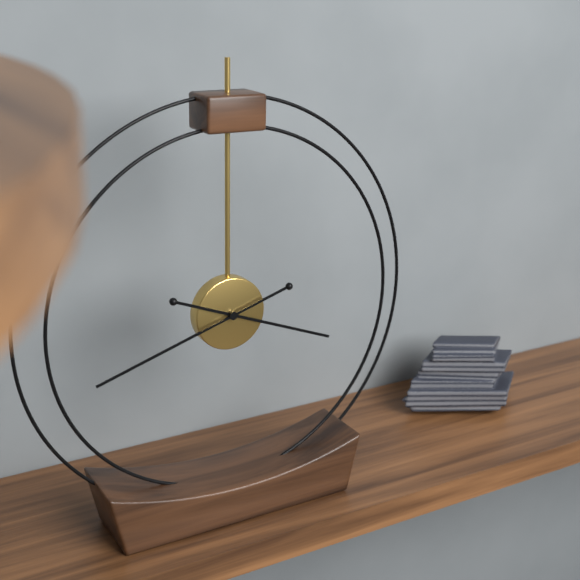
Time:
3.42
